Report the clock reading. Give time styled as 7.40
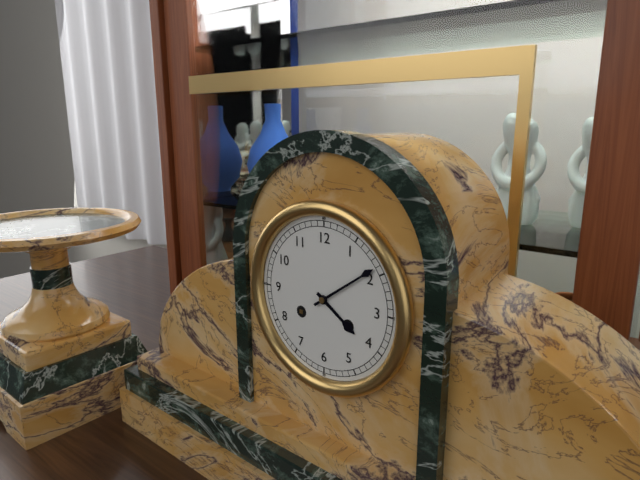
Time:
4.09
